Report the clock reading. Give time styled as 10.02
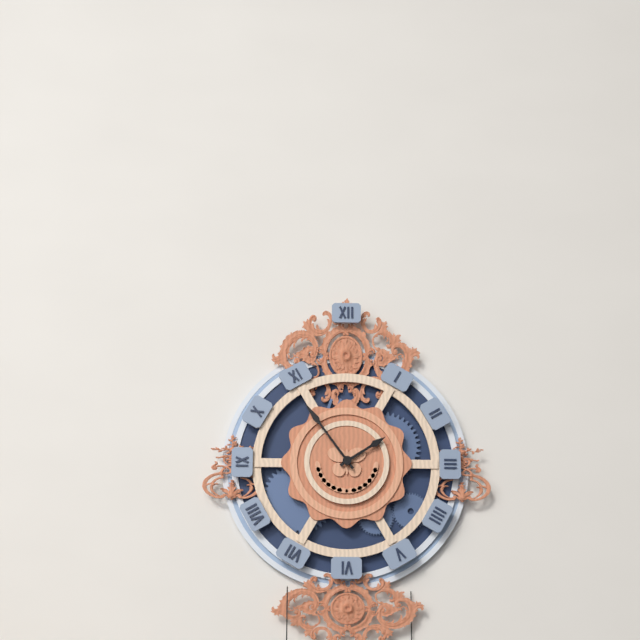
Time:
1.54
